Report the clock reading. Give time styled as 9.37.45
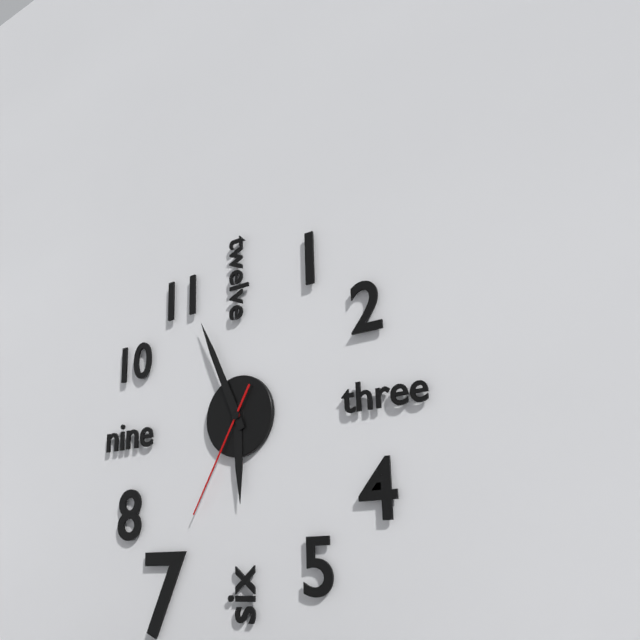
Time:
5.56.35
